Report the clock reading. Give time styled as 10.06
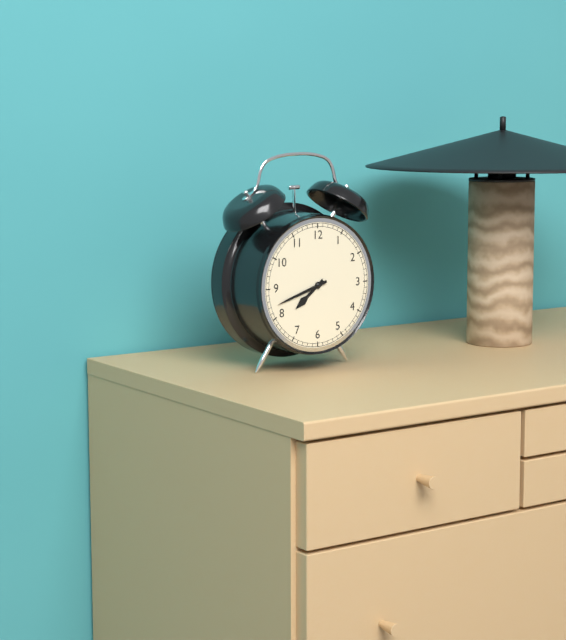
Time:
7.42
